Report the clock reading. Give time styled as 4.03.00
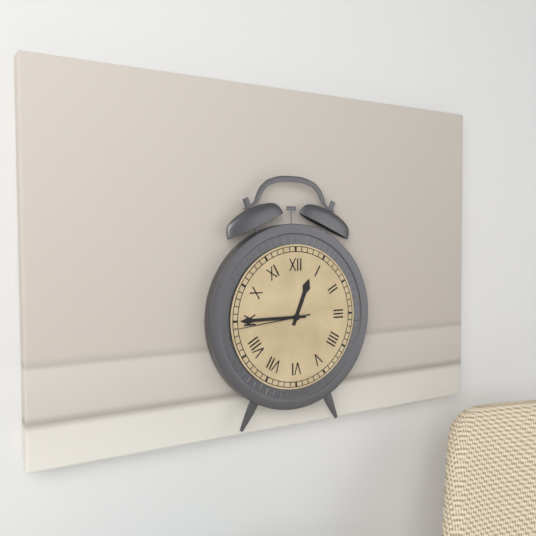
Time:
12.45.44
